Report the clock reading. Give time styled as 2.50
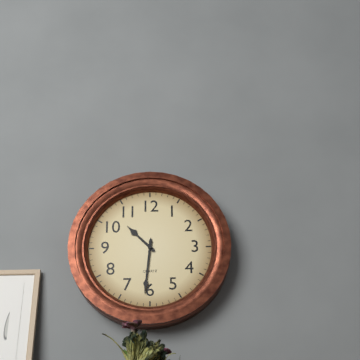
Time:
10.31
